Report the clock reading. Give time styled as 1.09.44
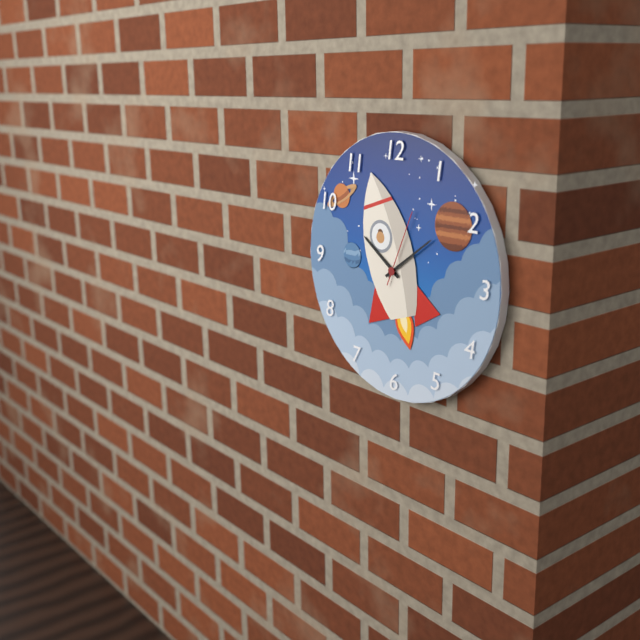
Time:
10.09.04
